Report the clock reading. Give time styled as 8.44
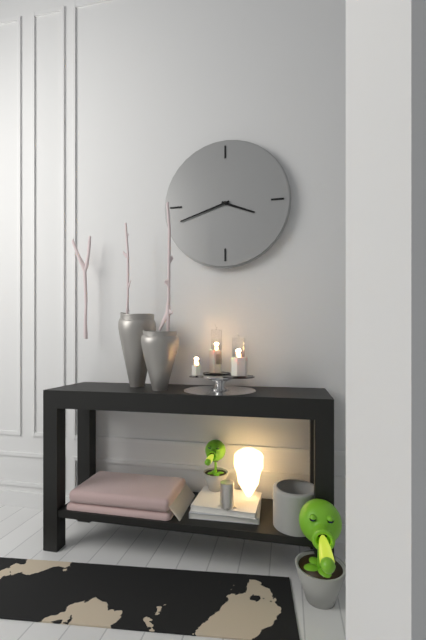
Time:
3.42
